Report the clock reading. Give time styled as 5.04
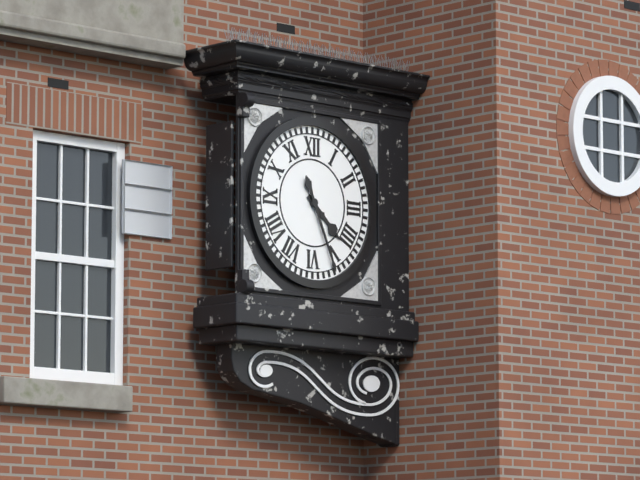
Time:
4.26
